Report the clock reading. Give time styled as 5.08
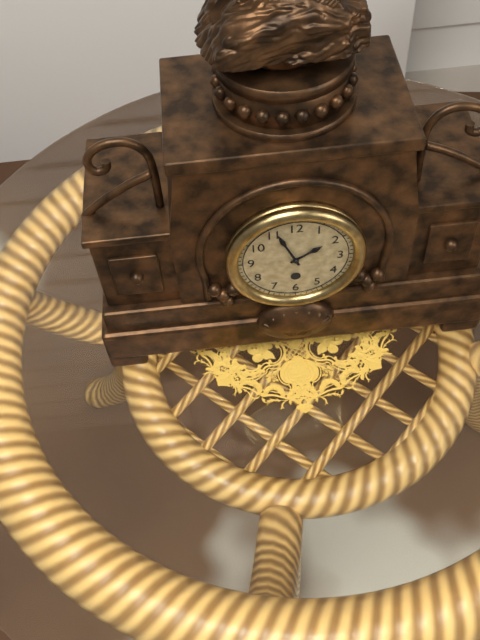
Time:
1.56
